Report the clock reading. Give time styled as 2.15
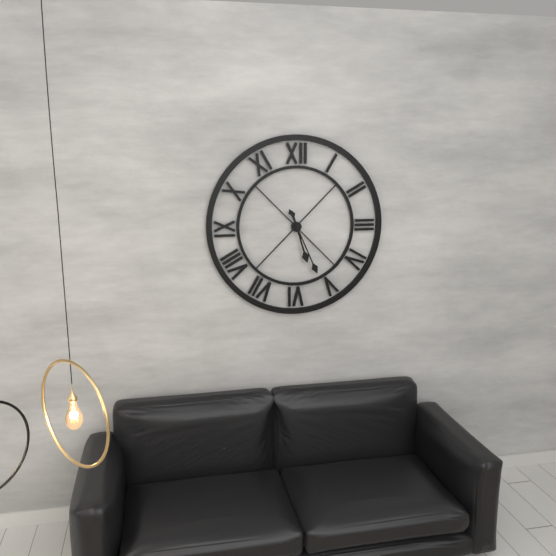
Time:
5.26
